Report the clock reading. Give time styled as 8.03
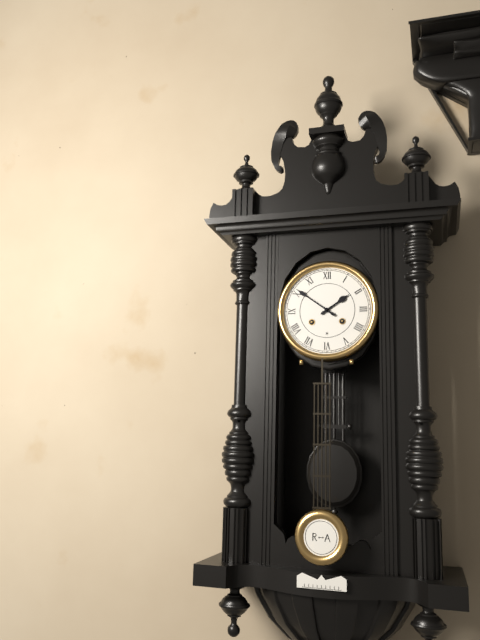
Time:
1.51
